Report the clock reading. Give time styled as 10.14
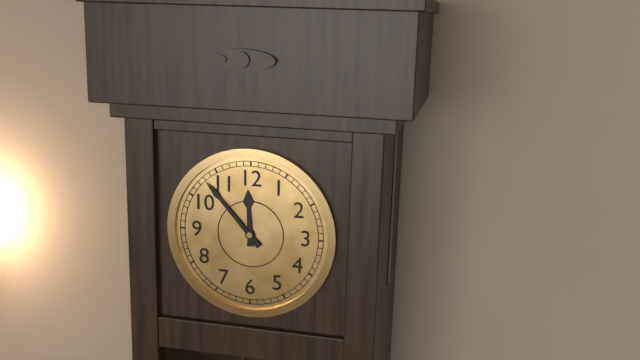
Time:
11.53
